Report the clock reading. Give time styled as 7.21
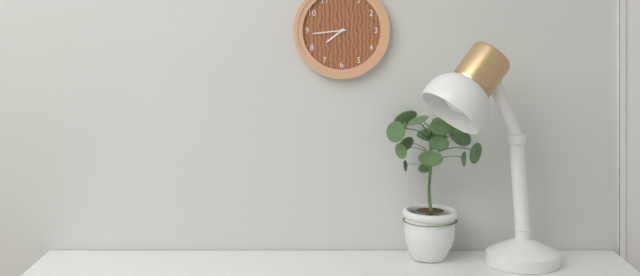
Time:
7.44
